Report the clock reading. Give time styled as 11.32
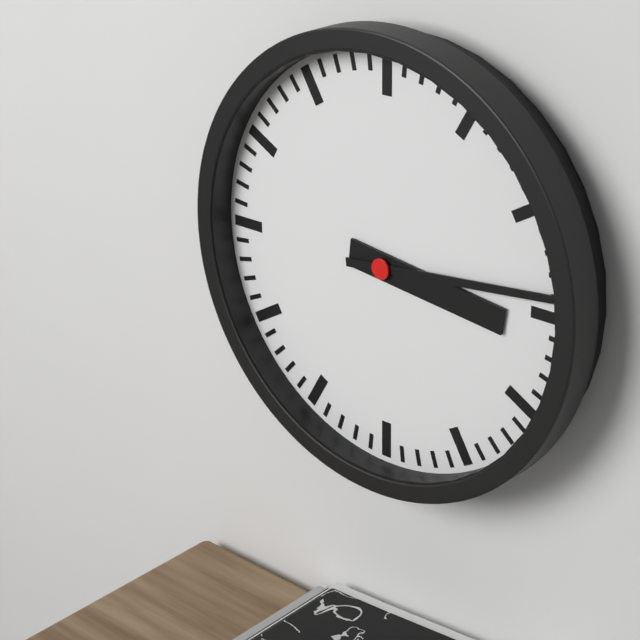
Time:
3.14
